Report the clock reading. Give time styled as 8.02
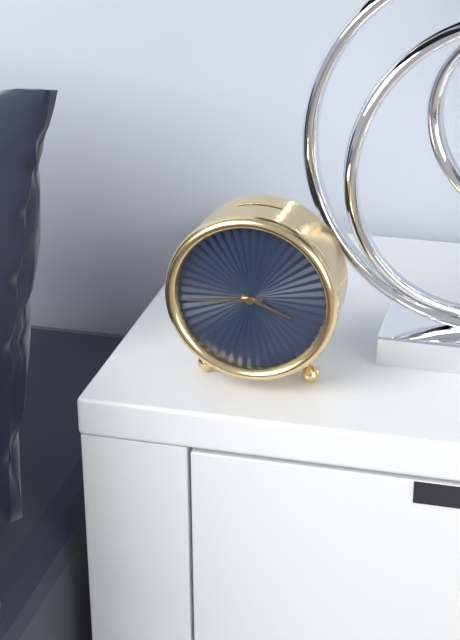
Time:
3.44
